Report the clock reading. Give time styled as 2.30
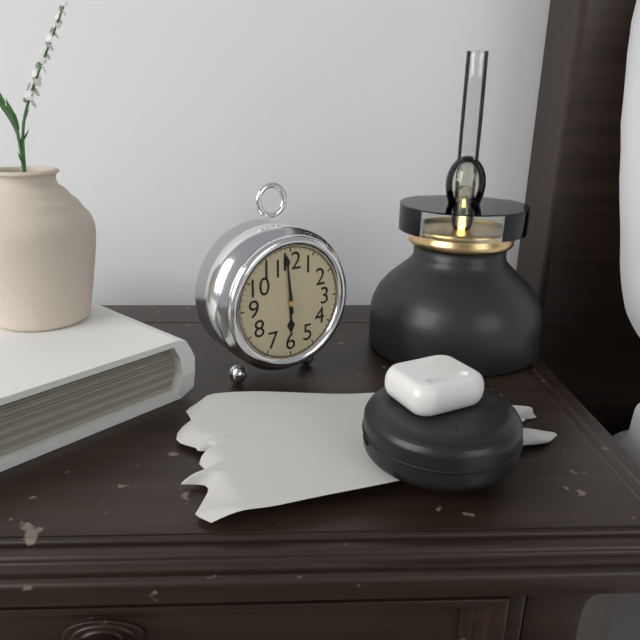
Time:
5.59
